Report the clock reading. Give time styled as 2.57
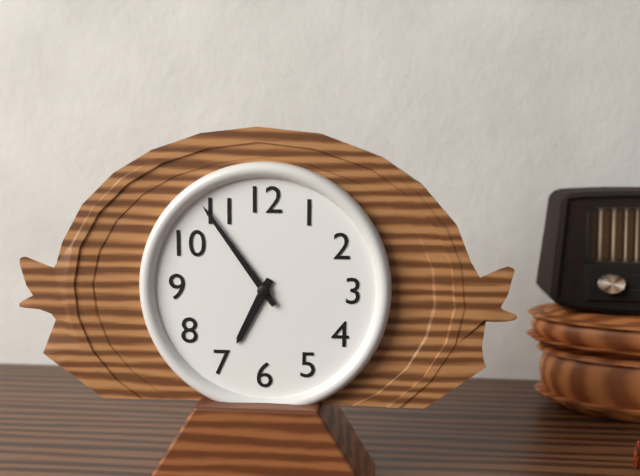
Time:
6.54
